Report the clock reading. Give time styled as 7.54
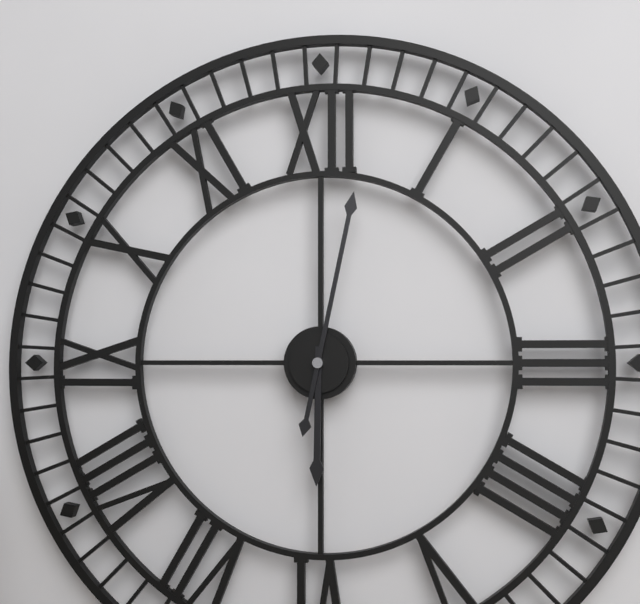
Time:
6.02
